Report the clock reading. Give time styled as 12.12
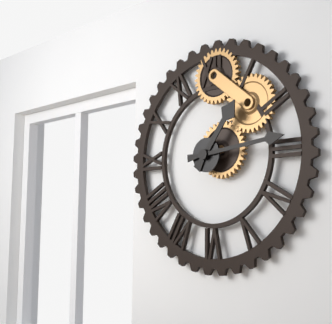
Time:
1.14
